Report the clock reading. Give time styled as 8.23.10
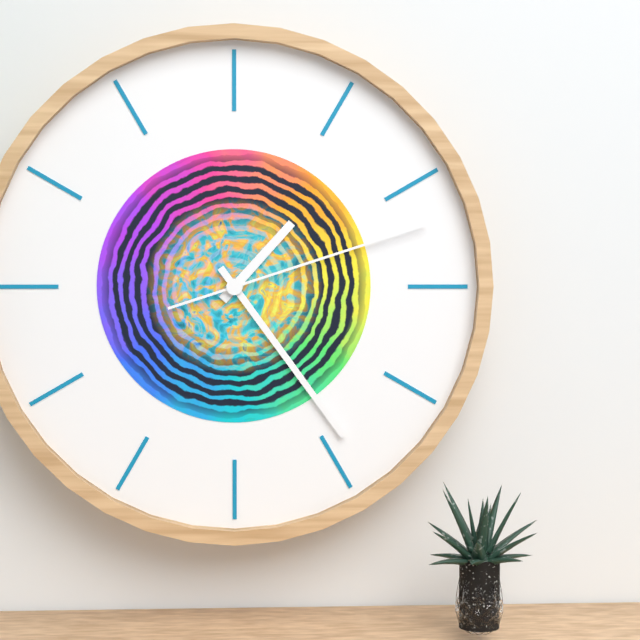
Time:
1.24.12
